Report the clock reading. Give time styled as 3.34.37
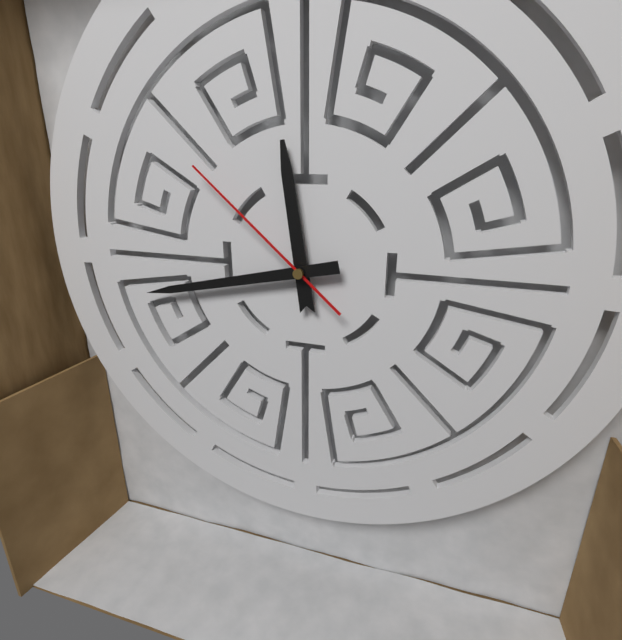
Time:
11.43.52
